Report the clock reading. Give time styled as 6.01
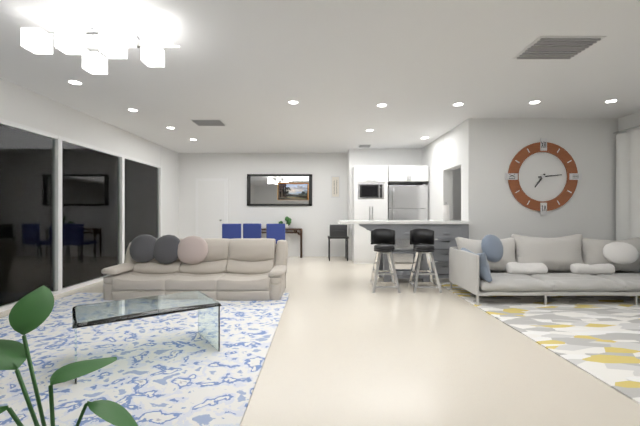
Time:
7.14
